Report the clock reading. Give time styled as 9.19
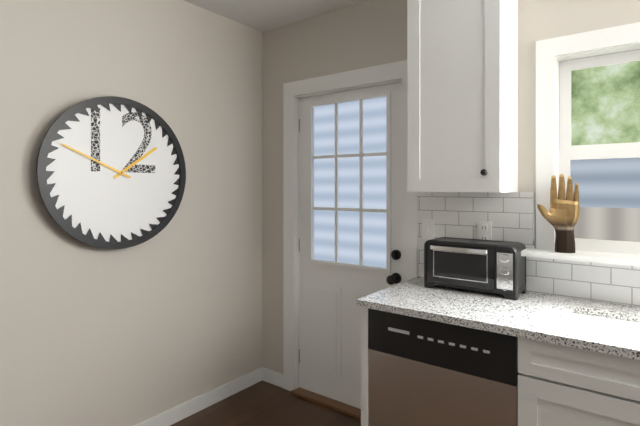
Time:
1.49
